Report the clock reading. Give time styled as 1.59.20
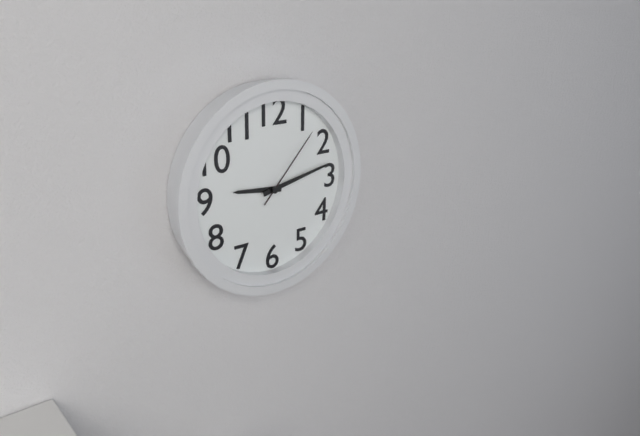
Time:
9.13.07
